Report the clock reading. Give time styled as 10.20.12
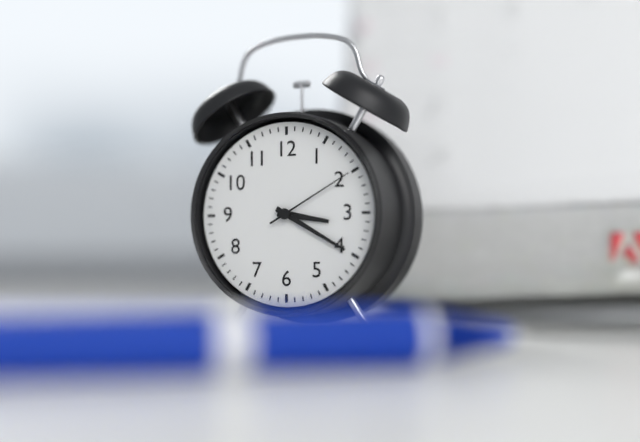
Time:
3.20.10
